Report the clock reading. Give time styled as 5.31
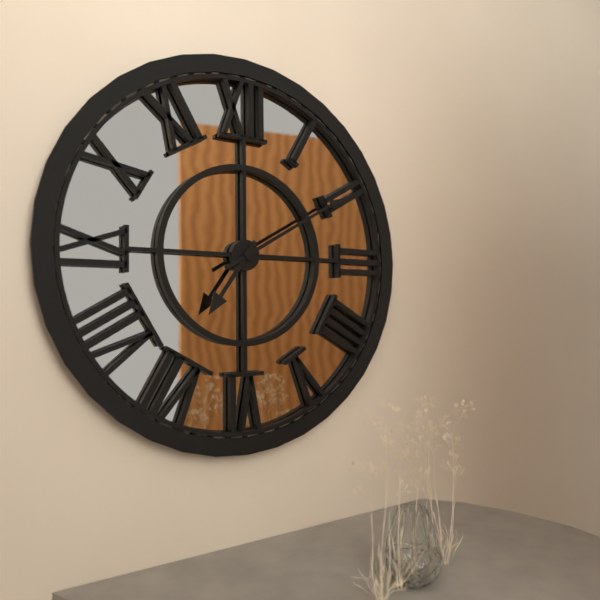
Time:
7.10
